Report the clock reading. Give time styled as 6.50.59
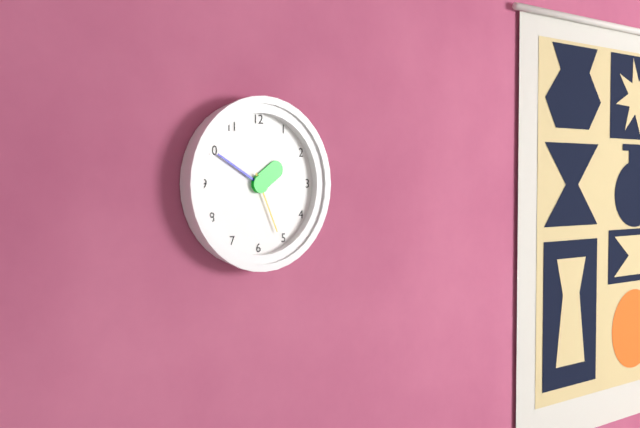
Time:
1.50.26
